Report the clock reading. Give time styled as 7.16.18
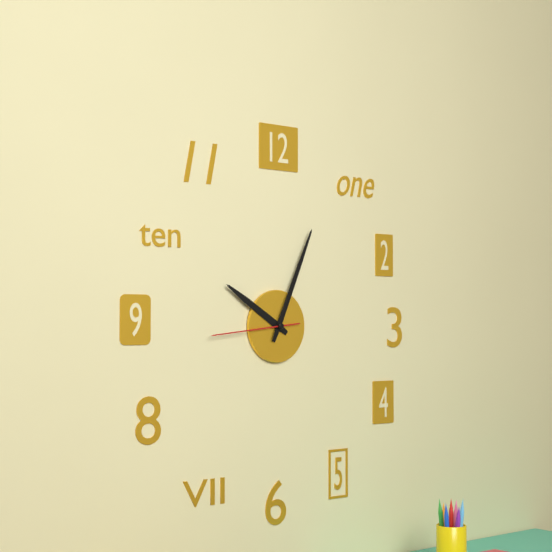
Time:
10.04.44
